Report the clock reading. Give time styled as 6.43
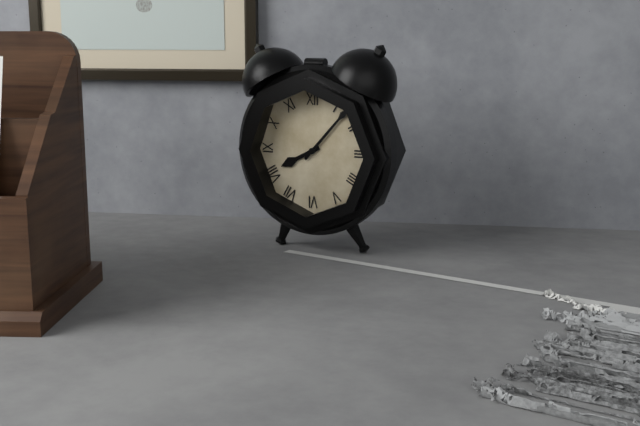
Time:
8.07
